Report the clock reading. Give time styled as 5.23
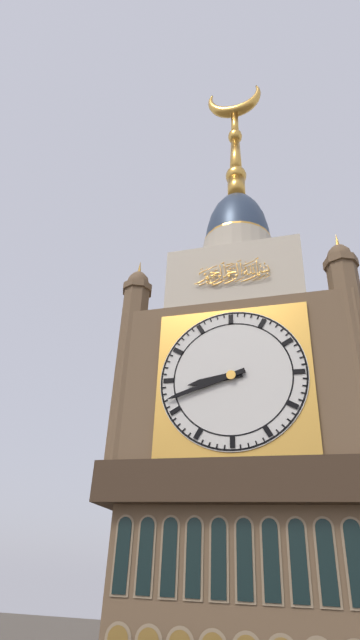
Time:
8.42
